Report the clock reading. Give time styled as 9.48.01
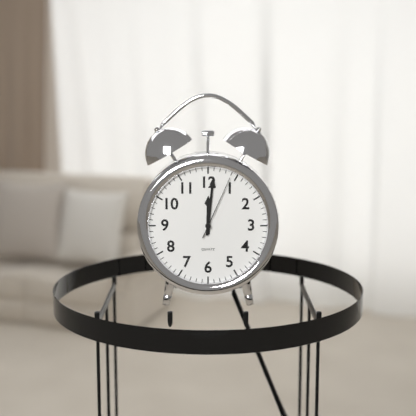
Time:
12.01.04
